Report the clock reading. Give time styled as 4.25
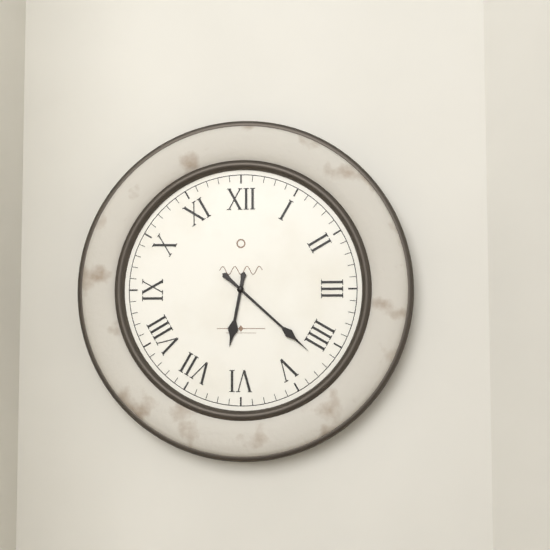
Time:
6.22
